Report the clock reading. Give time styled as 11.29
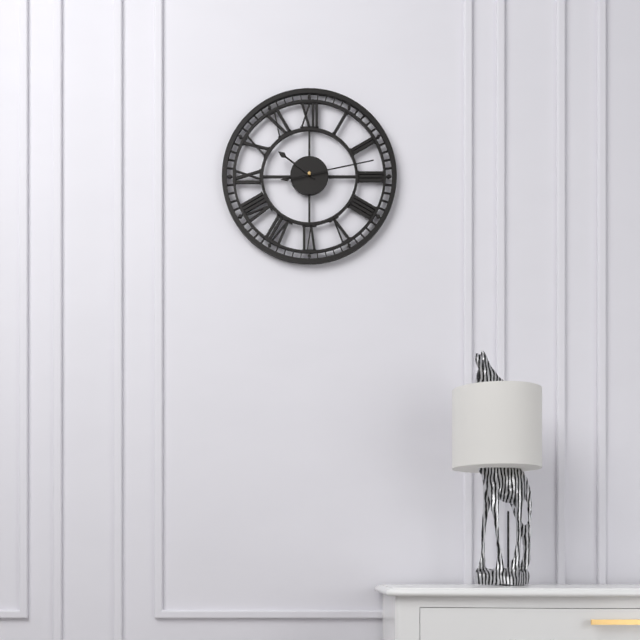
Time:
10.13
